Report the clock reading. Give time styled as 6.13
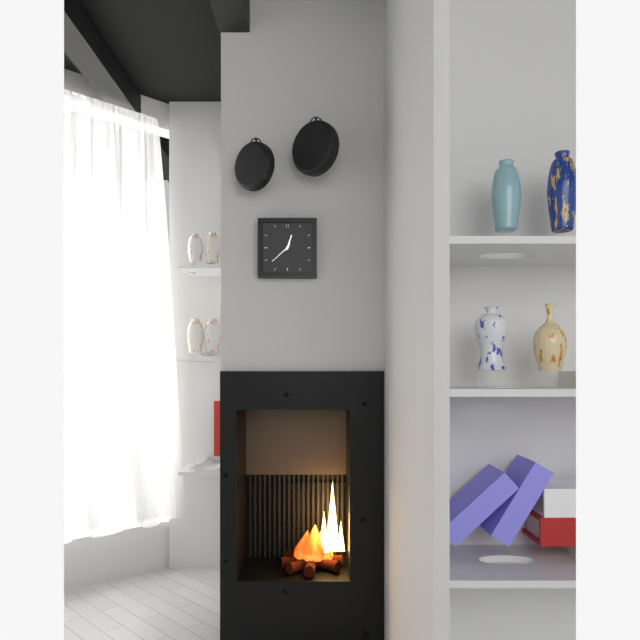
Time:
12.38
